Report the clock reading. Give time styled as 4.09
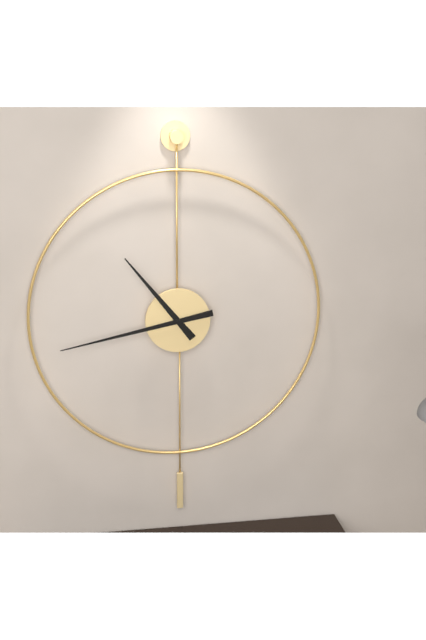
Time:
10.43
